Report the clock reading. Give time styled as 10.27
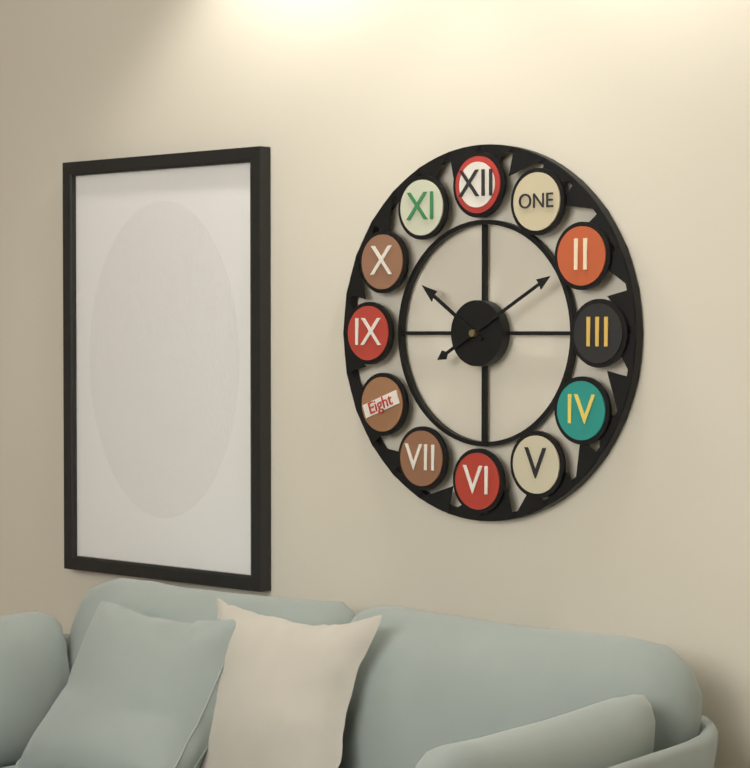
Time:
10.10
